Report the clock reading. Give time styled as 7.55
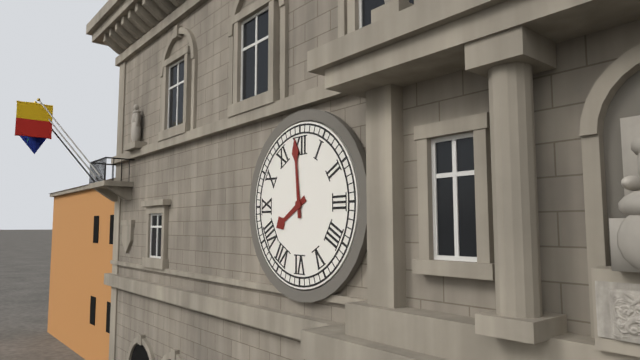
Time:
7.59
